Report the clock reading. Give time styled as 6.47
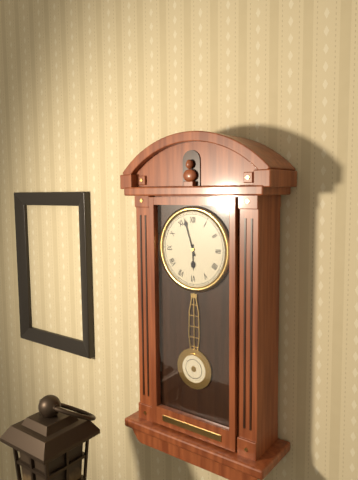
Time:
5.57
